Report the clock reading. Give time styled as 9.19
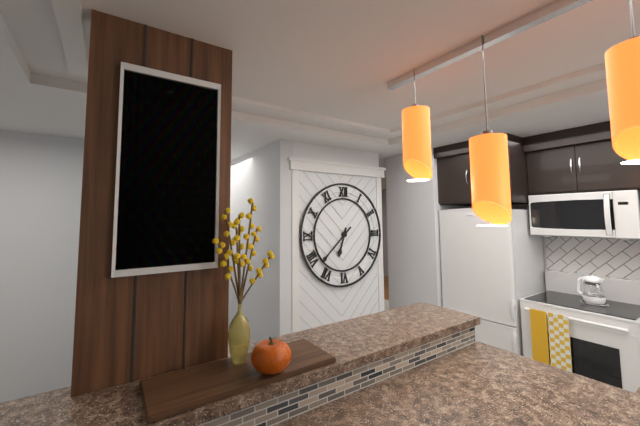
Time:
6.38
